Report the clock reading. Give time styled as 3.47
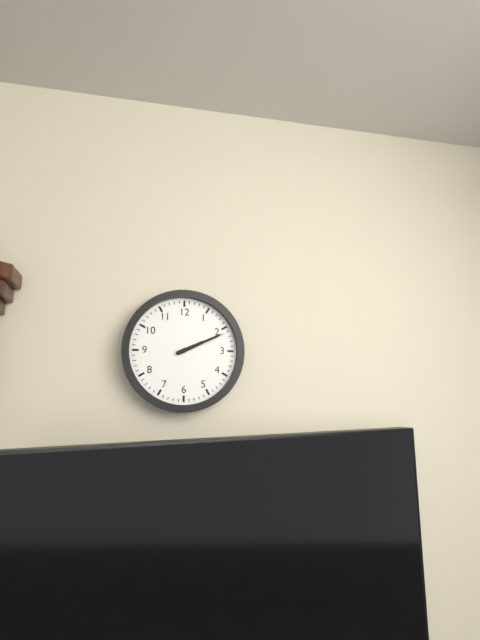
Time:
2.11
